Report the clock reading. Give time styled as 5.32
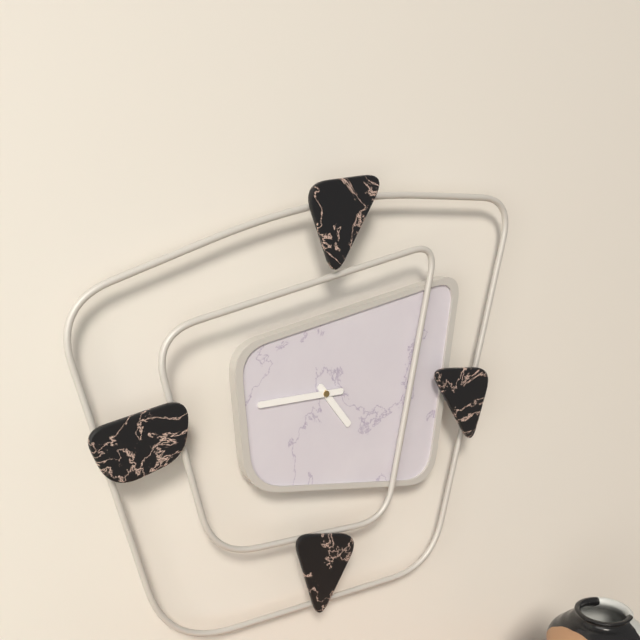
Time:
4.45
